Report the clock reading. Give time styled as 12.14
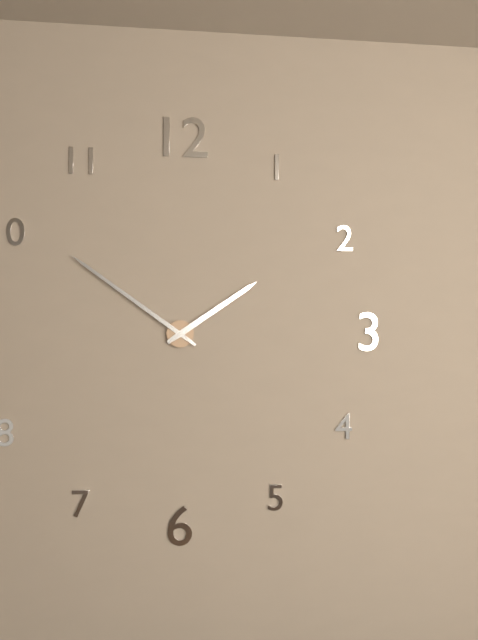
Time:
1.51
